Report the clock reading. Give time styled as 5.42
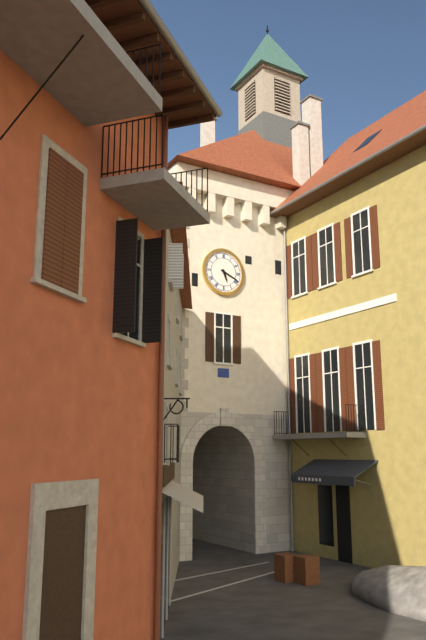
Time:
5.19
